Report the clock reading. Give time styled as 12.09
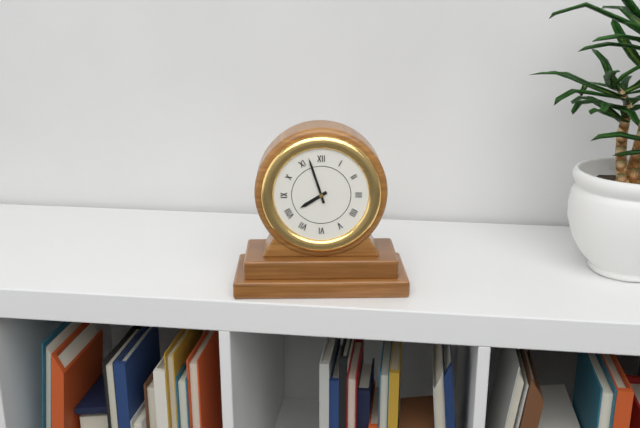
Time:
7.57
